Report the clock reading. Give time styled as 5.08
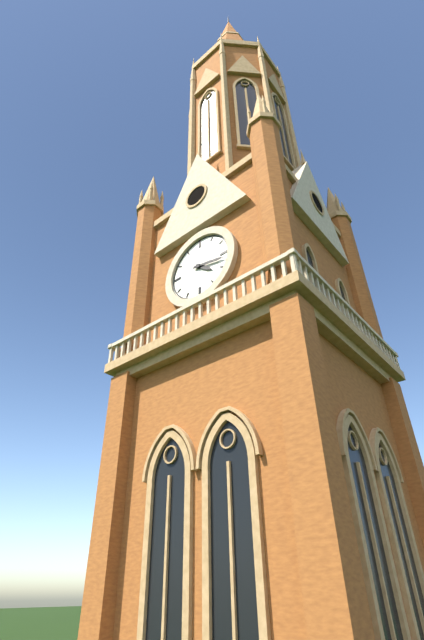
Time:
4.17
